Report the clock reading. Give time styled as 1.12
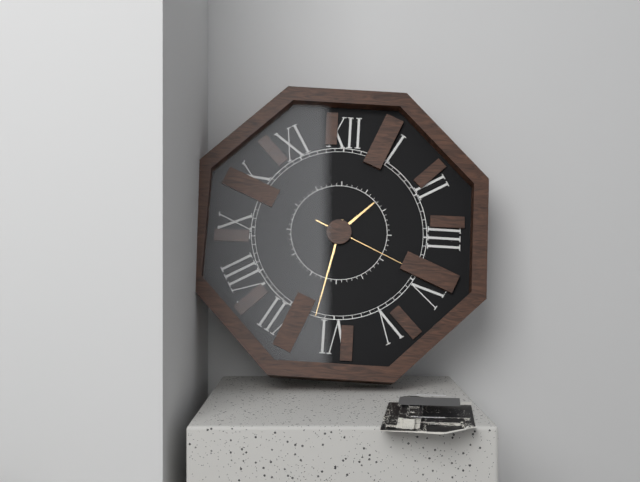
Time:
1.32
